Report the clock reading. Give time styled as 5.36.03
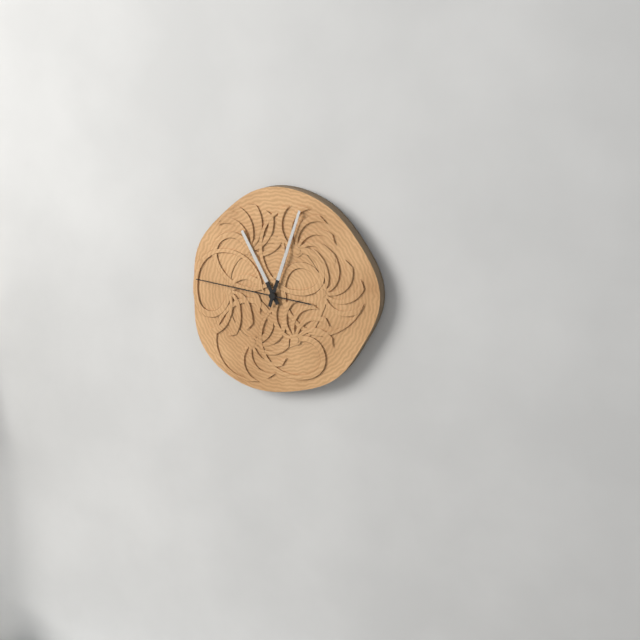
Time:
11.03.46
